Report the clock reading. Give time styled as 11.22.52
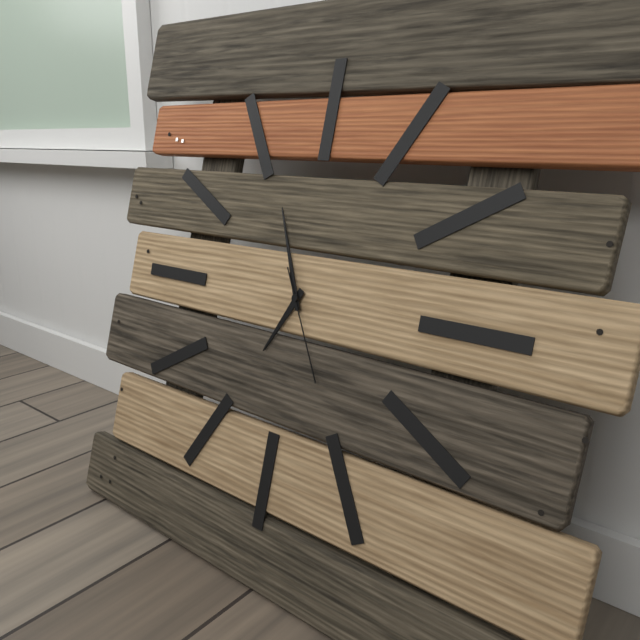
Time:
6.56.25
